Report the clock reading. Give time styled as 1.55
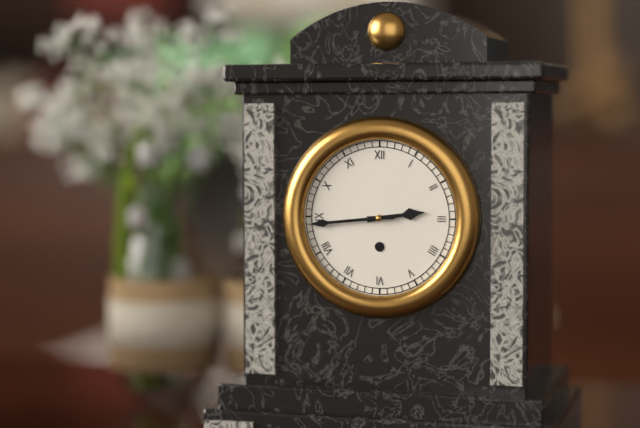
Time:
2.44
